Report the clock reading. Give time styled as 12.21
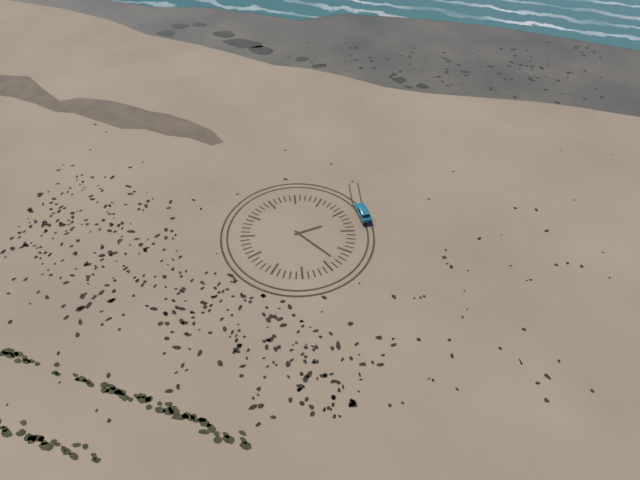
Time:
2.23
